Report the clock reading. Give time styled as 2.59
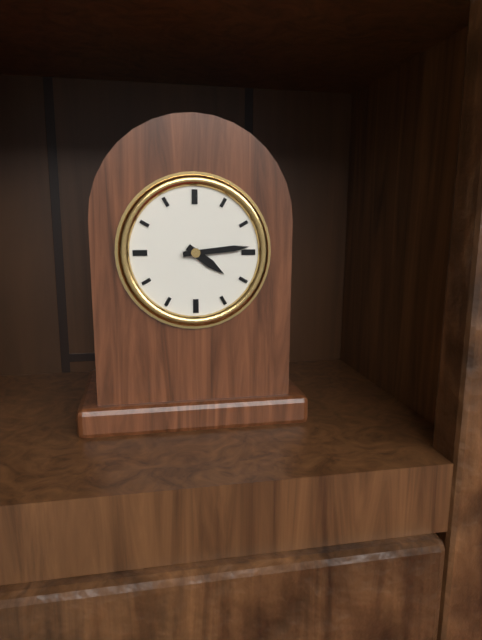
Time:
4.14
